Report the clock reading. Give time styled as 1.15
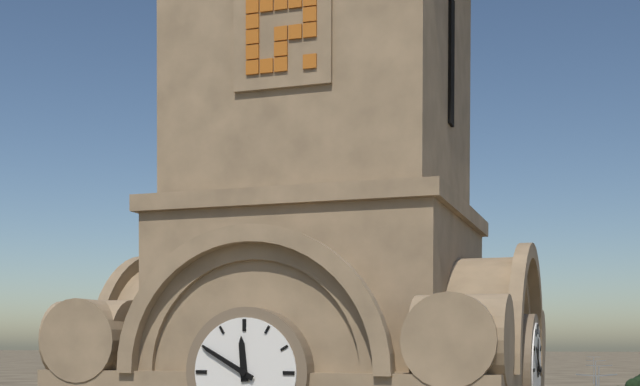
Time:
11.50
